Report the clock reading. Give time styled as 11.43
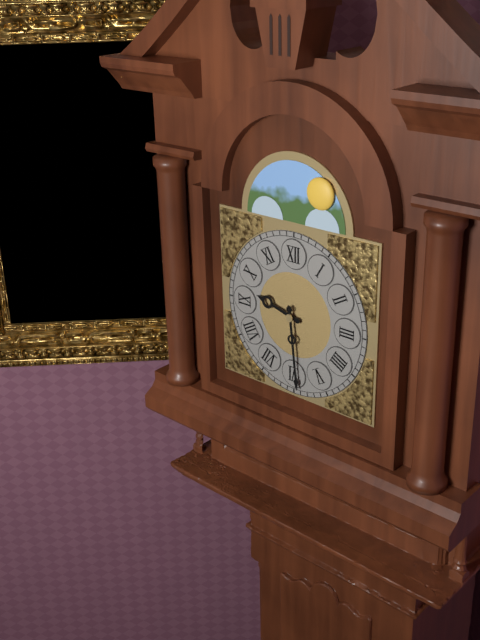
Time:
9.29
